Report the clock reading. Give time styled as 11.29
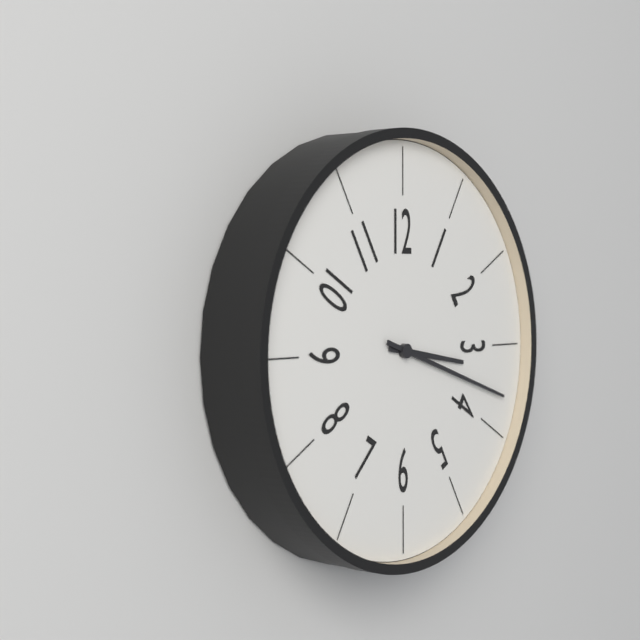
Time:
3.18
